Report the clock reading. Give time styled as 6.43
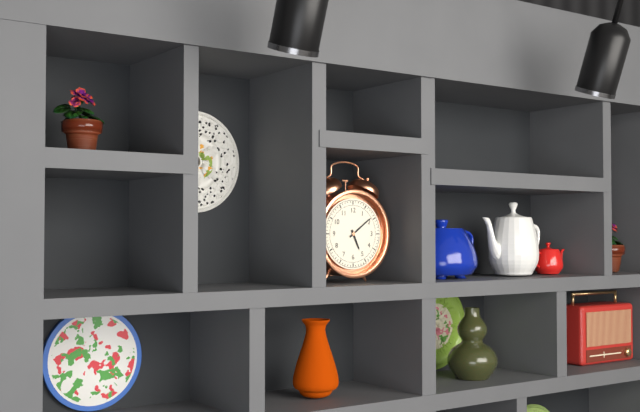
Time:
5.09
